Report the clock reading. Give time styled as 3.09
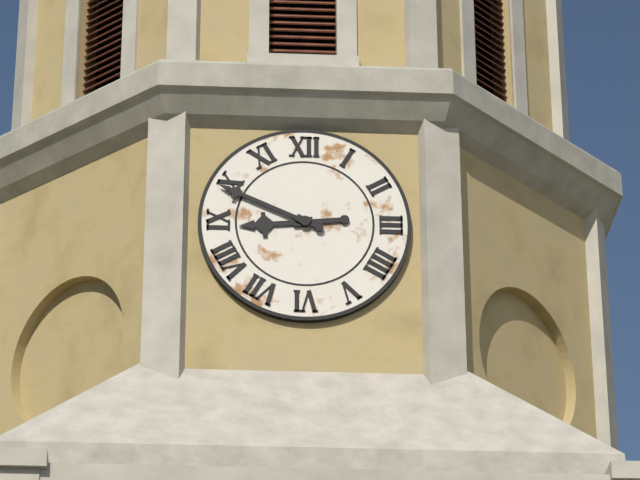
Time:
8.49
